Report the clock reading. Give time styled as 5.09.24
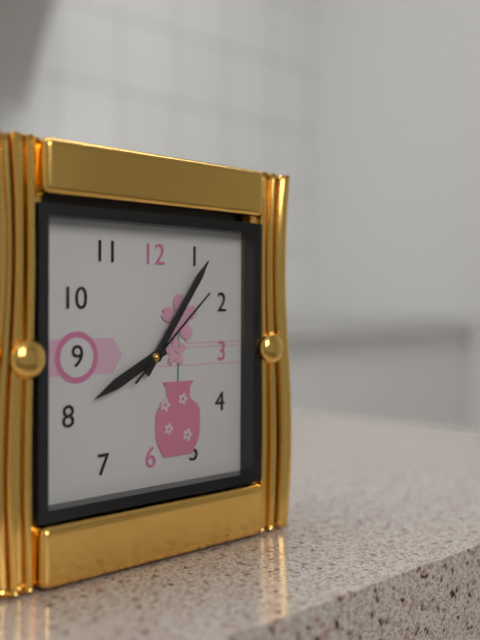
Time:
8.06.08
